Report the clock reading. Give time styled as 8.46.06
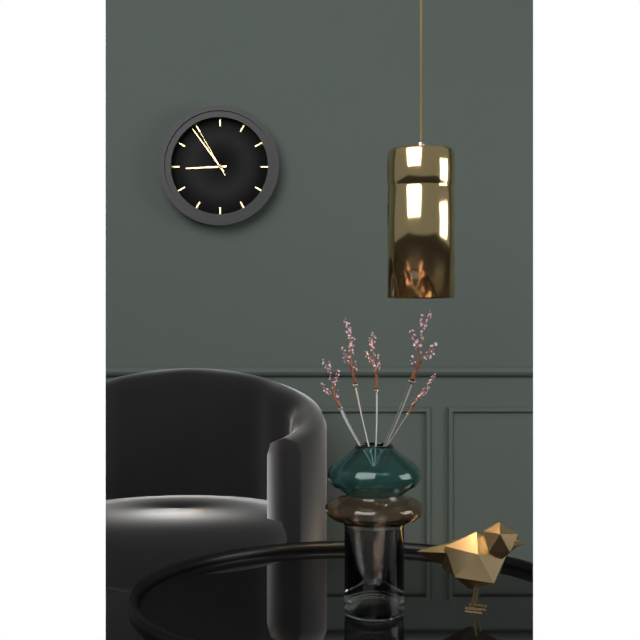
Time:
8.54.55
